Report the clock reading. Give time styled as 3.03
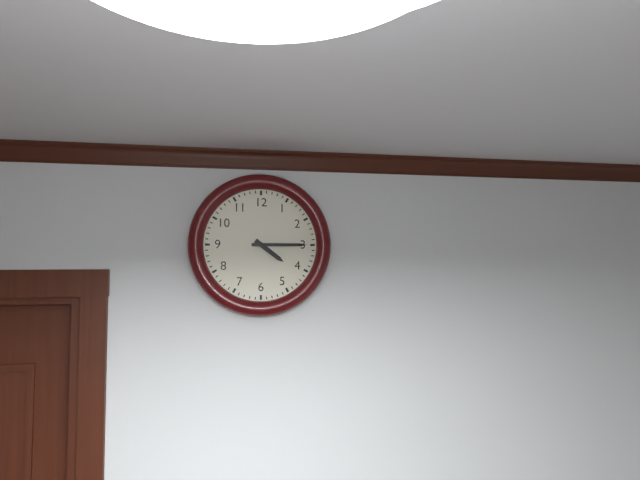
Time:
4.15
